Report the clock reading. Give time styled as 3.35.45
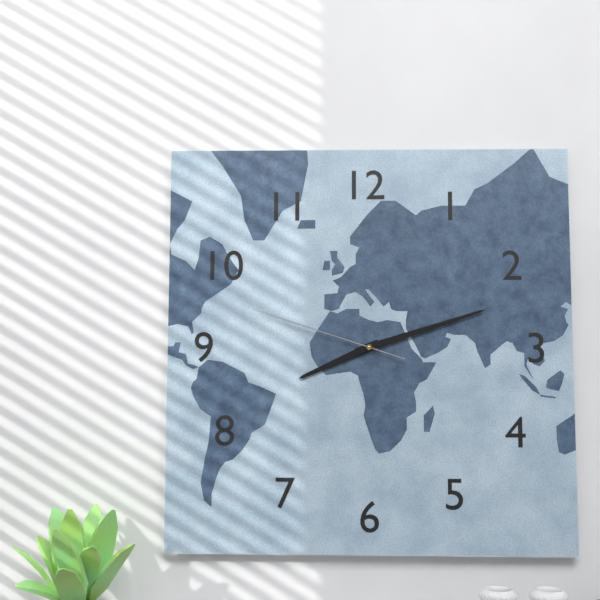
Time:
8.12.48
